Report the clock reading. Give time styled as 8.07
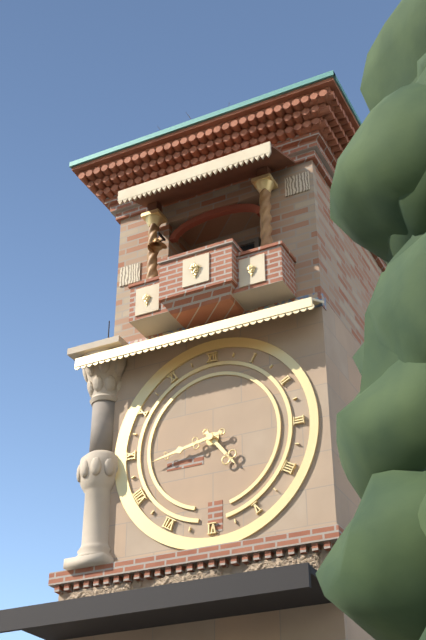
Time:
4.43
